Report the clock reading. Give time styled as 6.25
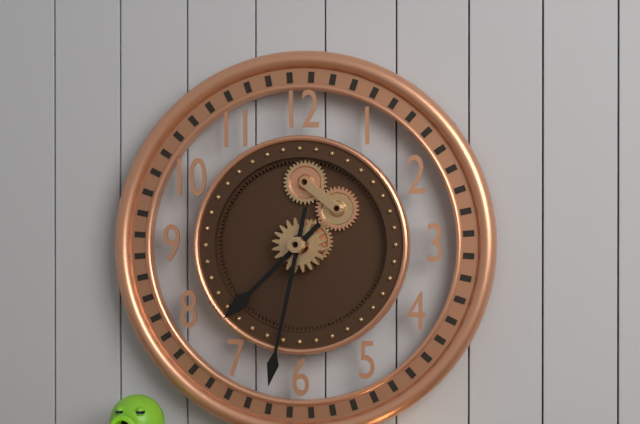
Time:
7.32
